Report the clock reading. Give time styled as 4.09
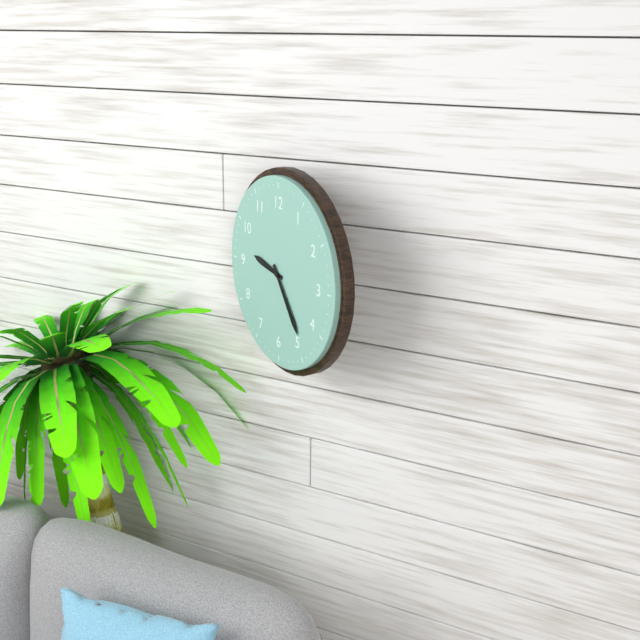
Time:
9.24
